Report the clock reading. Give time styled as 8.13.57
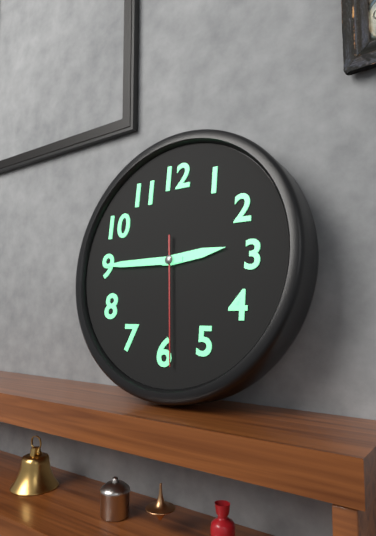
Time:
2.45.29
